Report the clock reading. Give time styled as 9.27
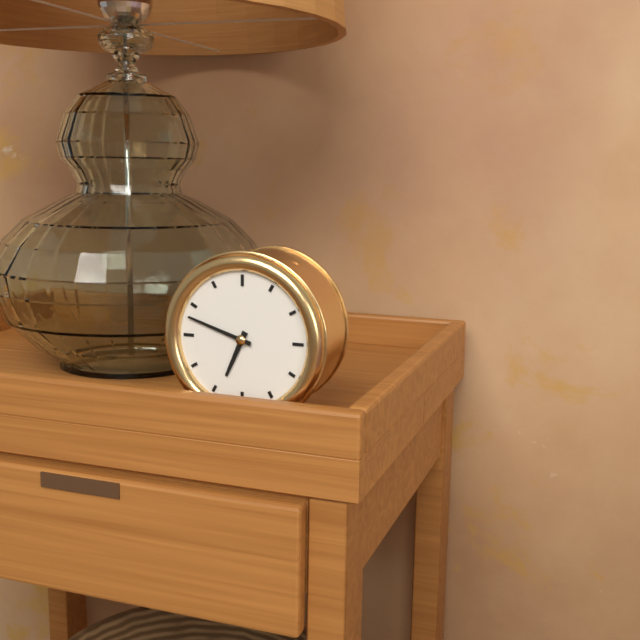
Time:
6.48
